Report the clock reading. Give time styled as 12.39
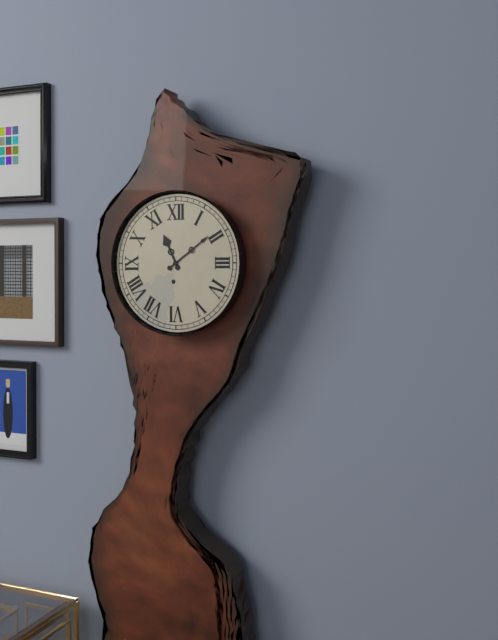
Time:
11.09
